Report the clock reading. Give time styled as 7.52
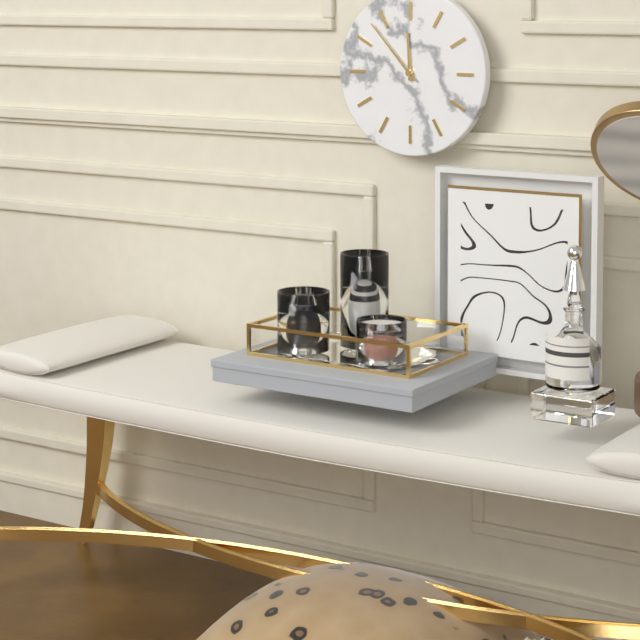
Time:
11.53
